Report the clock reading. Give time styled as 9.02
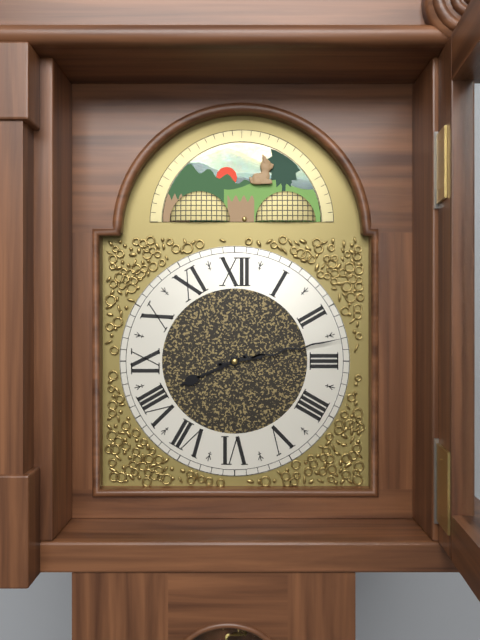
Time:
8.13
